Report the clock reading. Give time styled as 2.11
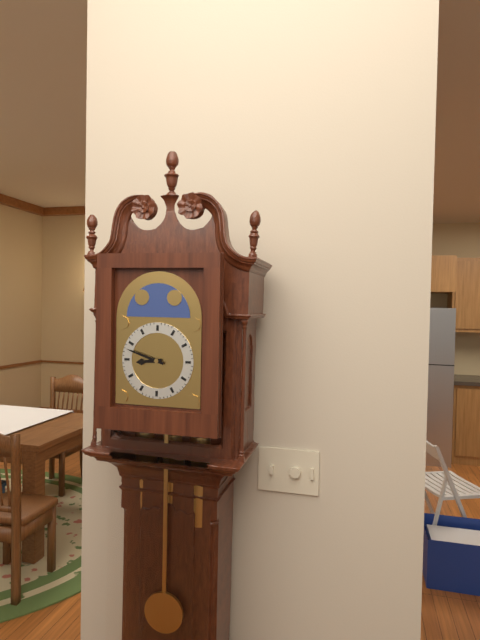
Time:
8.48
